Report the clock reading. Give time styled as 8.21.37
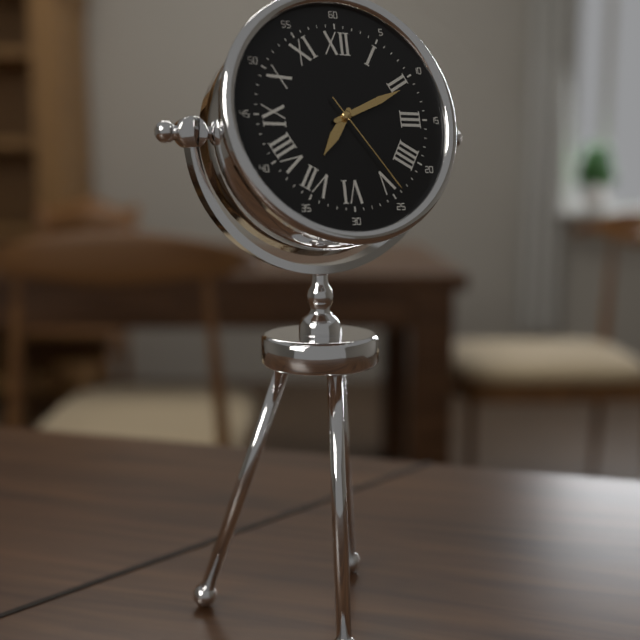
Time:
7.11.24
